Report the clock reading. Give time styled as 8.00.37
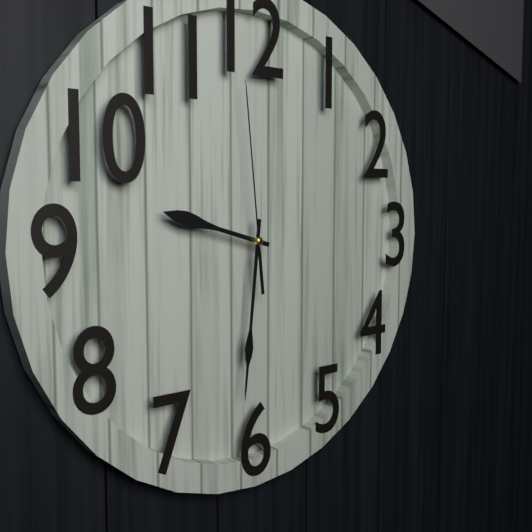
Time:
9.31.59
